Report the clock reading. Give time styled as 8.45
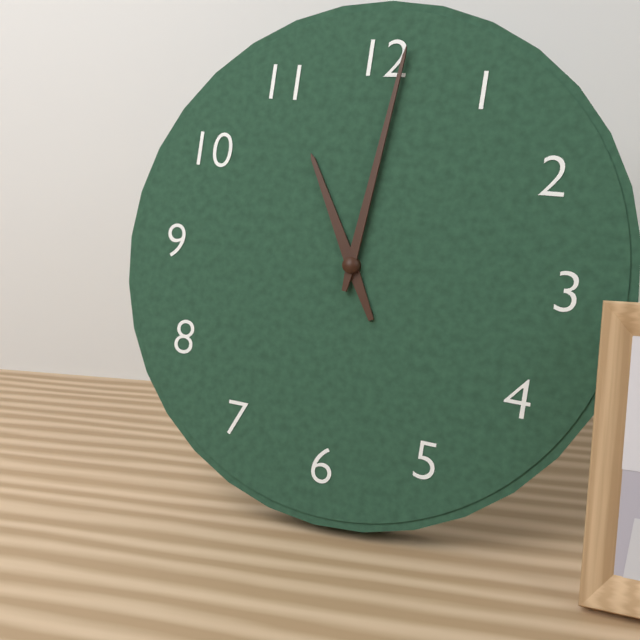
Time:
11.01
